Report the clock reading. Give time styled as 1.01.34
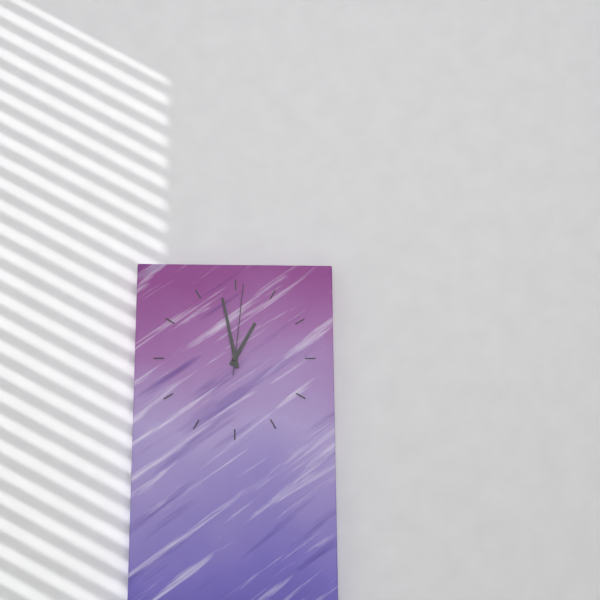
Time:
12.58.01
